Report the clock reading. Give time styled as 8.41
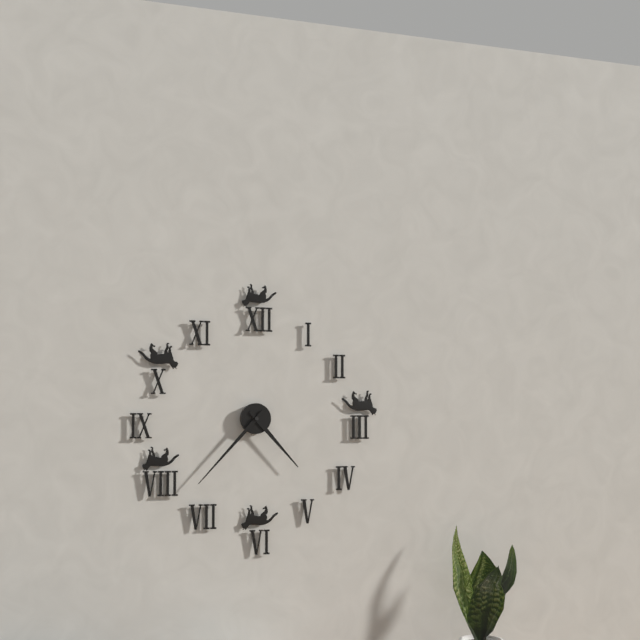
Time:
4.37
